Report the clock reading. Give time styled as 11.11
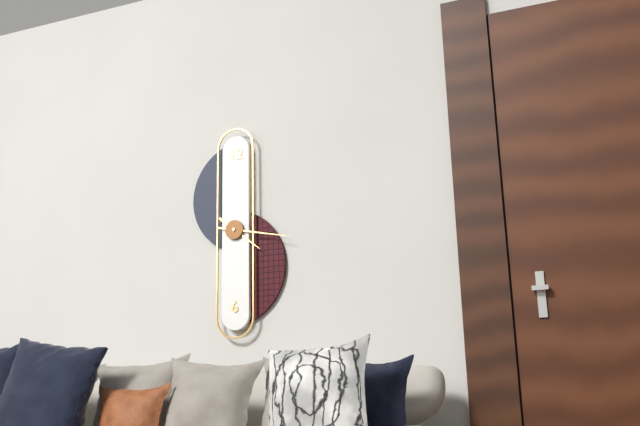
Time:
4.17
